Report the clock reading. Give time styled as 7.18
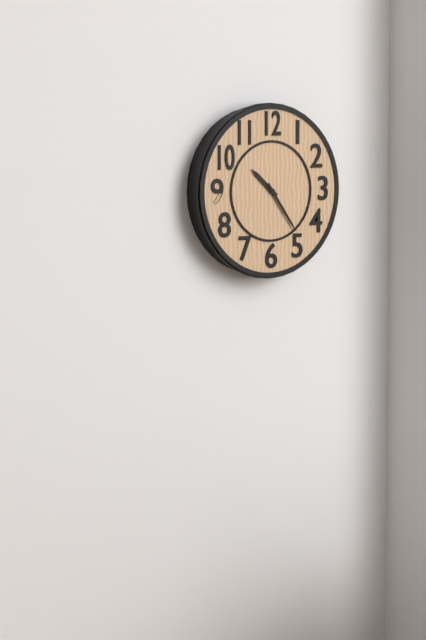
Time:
10.24
